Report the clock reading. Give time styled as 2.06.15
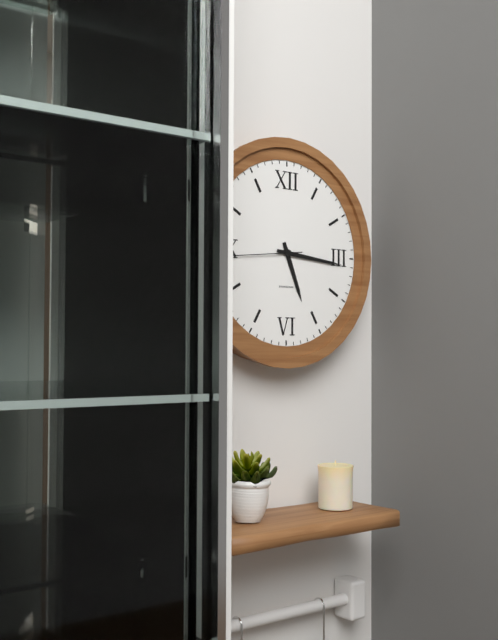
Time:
5.16.44
